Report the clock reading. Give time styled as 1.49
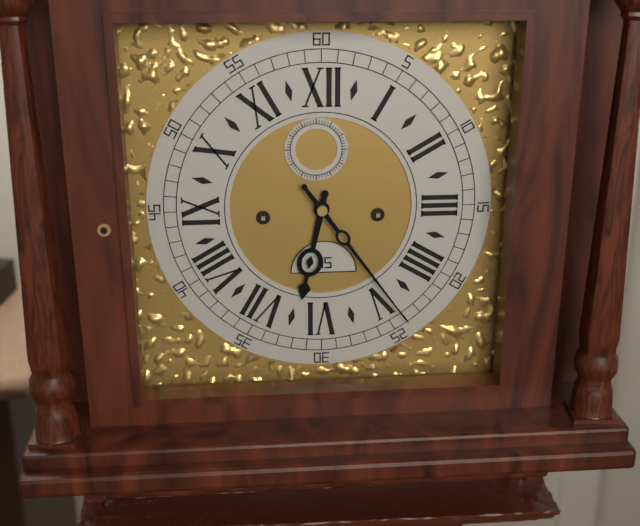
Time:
6.24
